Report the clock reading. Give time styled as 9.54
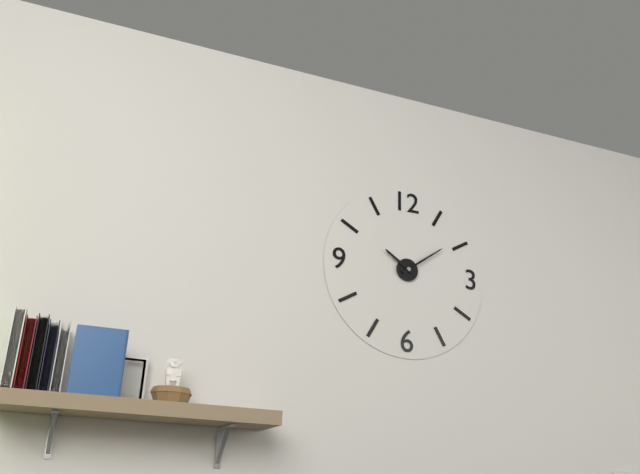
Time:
10.09
